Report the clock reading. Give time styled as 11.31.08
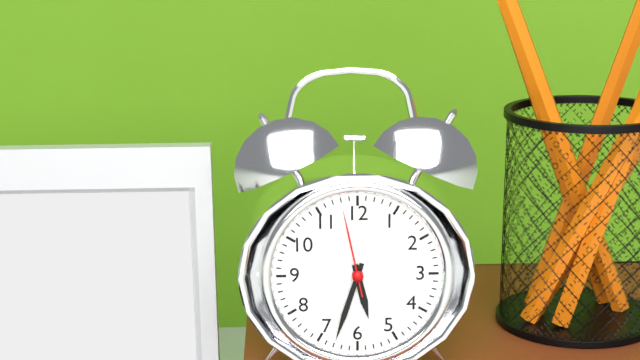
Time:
5.33.58
